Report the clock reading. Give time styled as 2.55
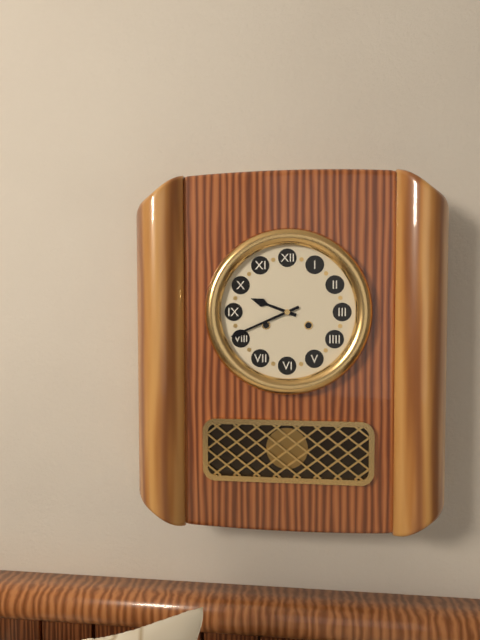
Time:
9.41
